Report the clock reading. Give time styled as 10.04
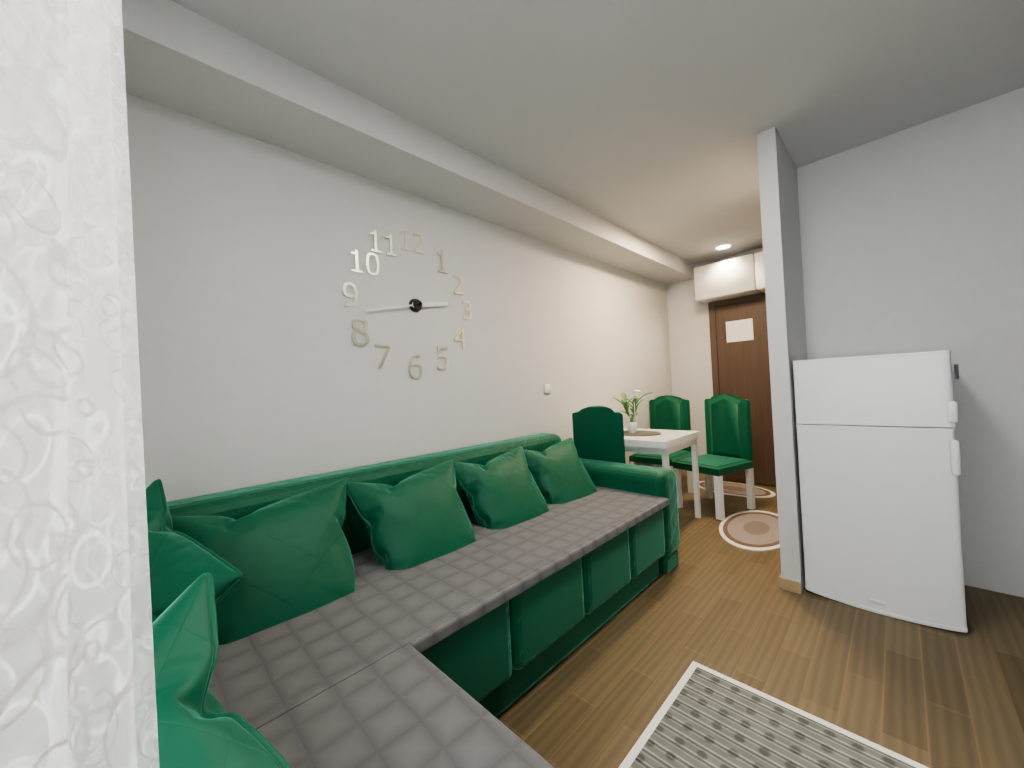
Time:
2.43
